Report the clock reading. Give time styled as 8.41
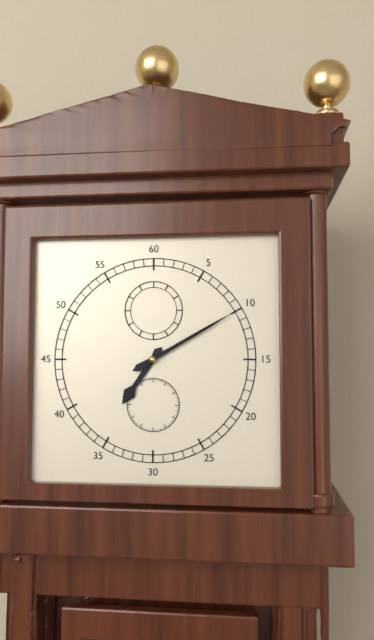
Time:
7.10
